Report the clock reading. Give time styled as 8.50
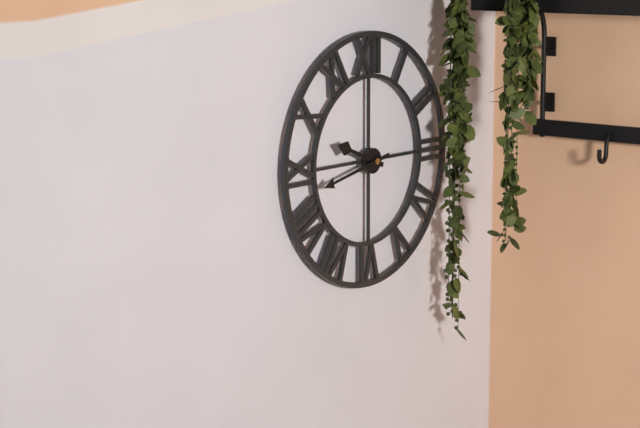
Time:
9.43
